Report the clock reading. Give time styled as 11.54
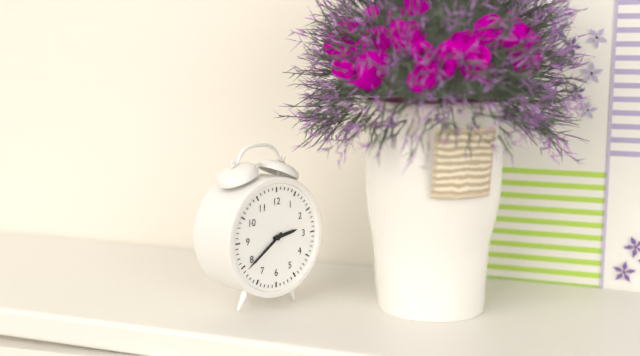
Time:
2.39
